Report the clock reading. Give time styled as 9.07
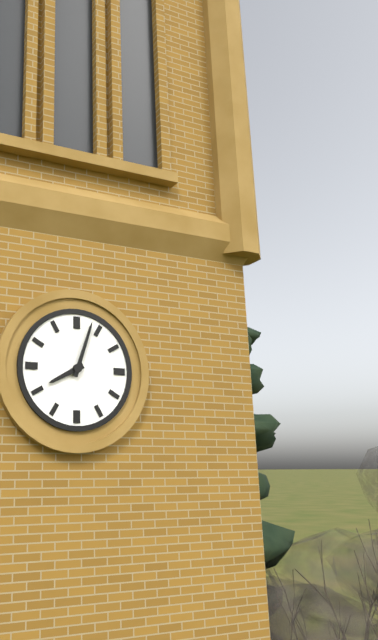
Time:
8.03
